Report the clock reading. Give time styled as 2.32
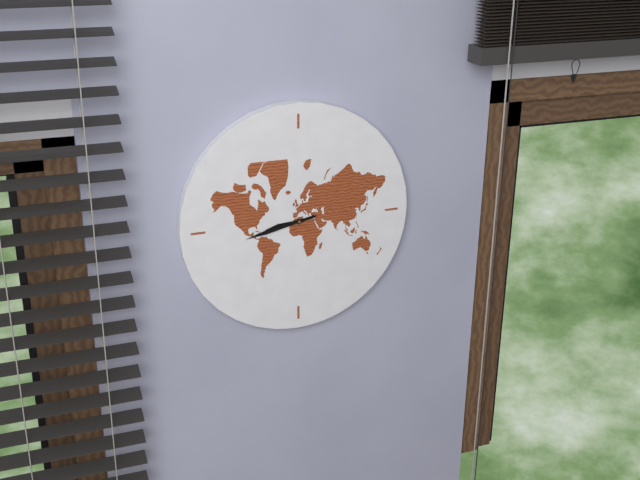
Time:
8.43
